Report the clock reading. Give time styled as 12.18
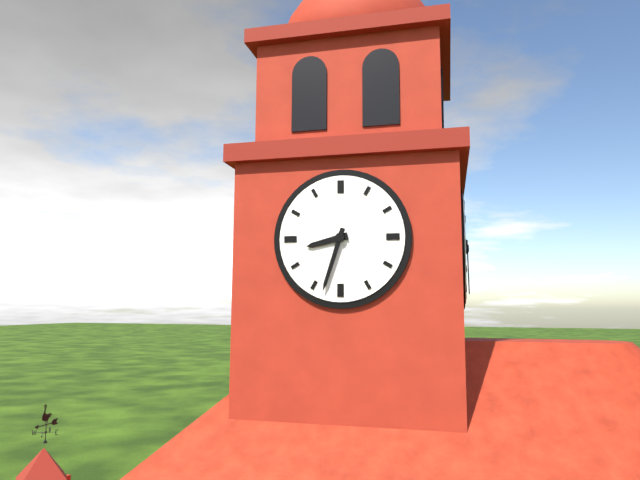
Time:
8.33
